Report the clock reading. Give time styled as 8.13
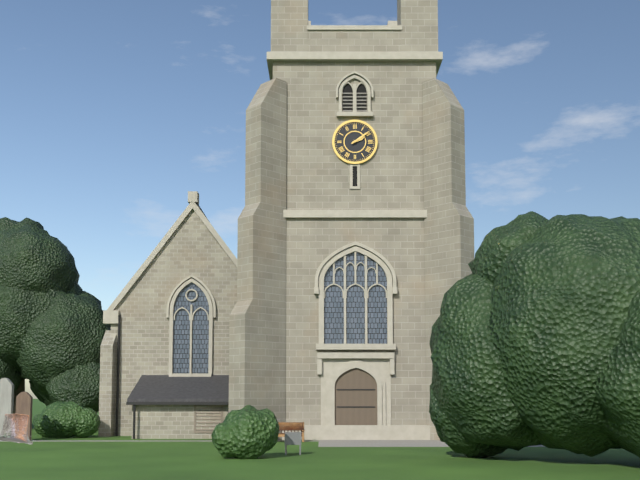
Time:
2.09
